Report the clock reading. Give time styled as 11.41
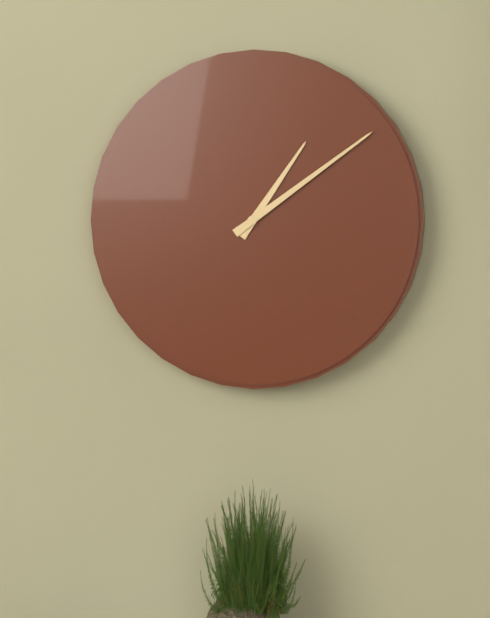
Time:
1.09
